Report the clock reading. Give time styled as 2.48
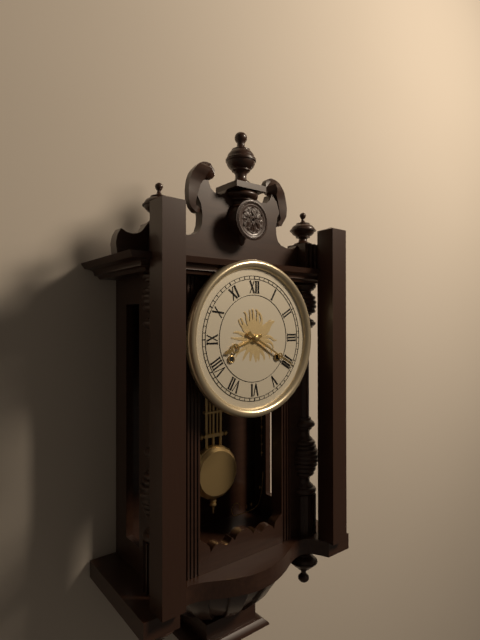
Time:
8.20
